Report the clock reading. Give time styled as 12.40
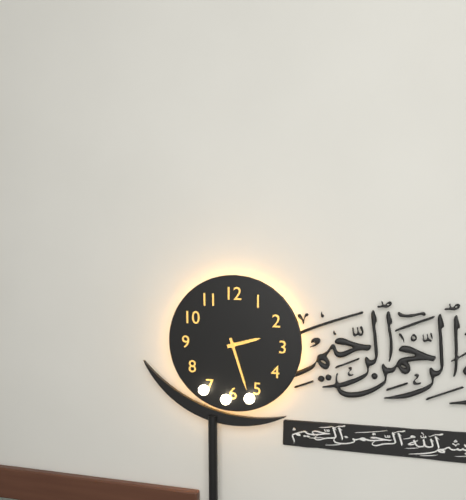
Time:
2.27
